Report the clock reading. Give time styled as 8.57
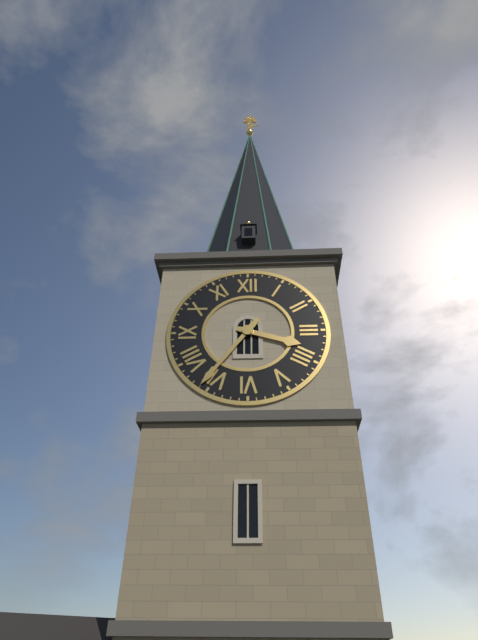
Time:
3.36
